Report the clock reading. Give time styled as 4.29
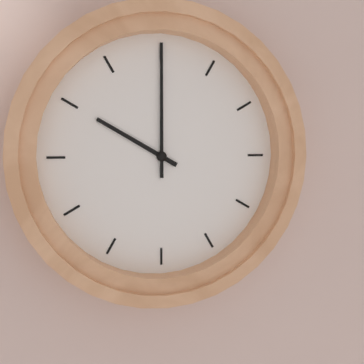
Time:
10.00
